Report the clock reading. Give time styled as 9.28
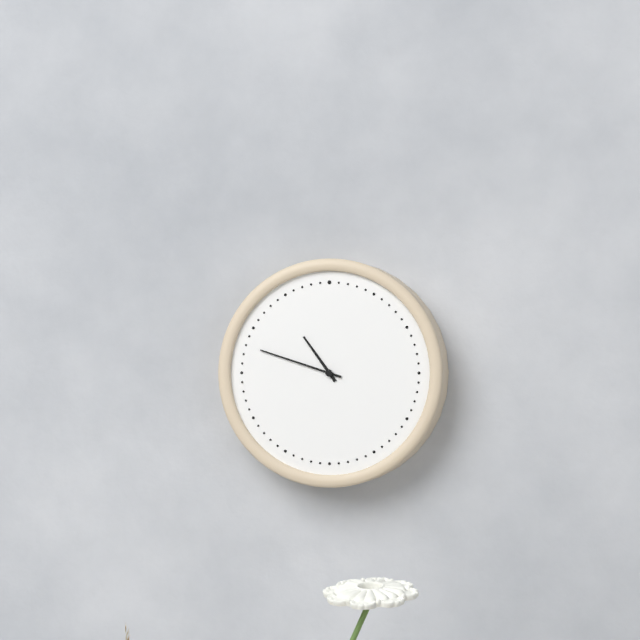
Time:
10.48
